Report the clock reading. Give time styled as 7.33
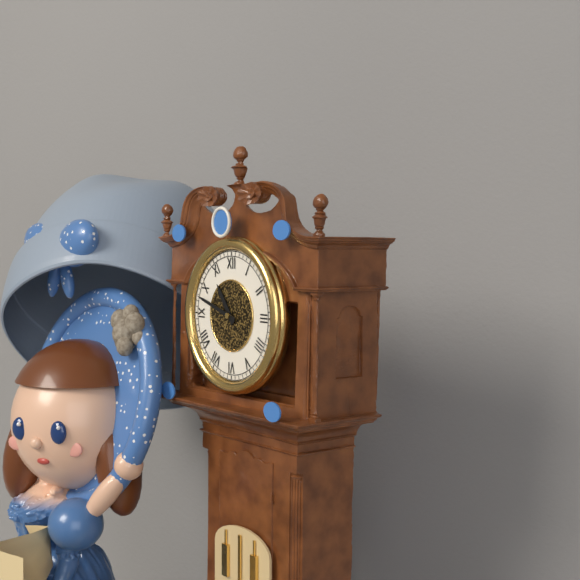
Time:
10.48
